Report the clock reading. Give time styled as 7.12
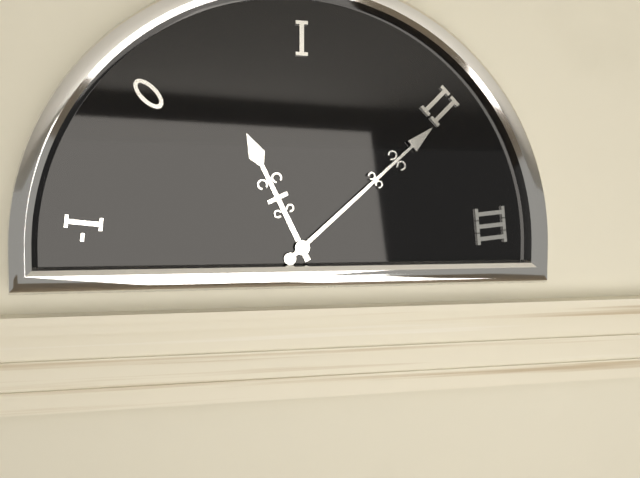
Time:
11.08
